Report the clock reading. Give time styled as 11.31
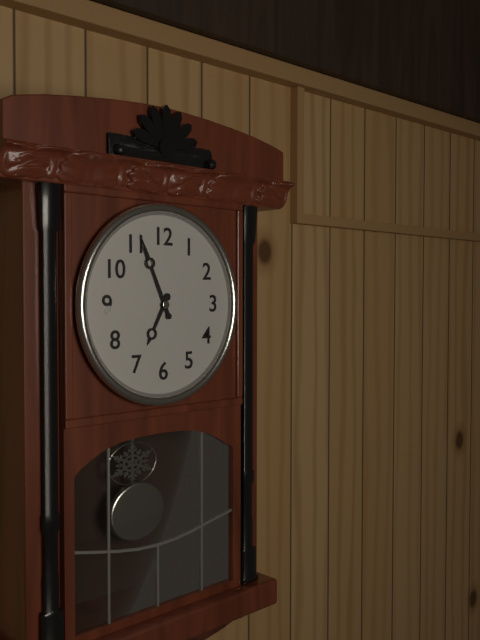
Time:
6.56
